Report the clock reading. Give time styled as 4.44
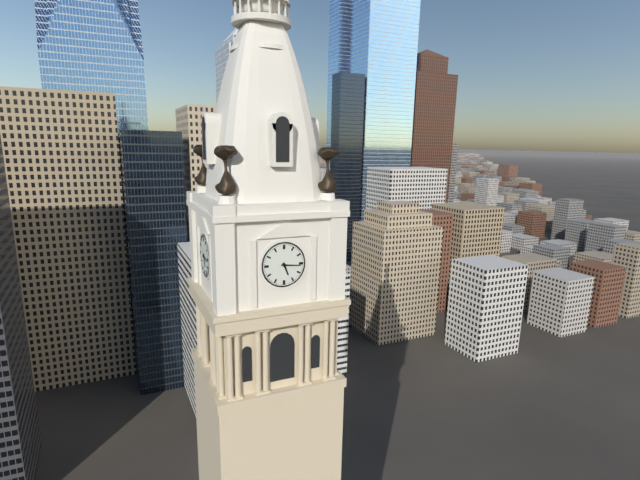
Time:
5.16
